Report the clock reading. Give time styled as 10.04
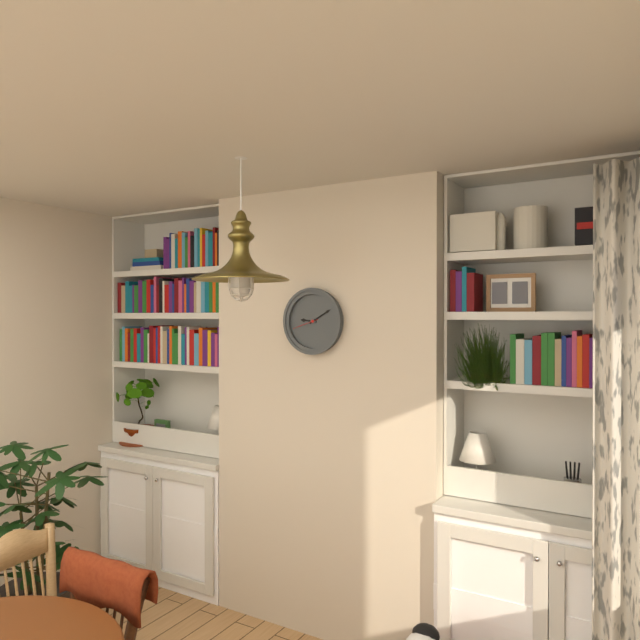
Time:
9.10
